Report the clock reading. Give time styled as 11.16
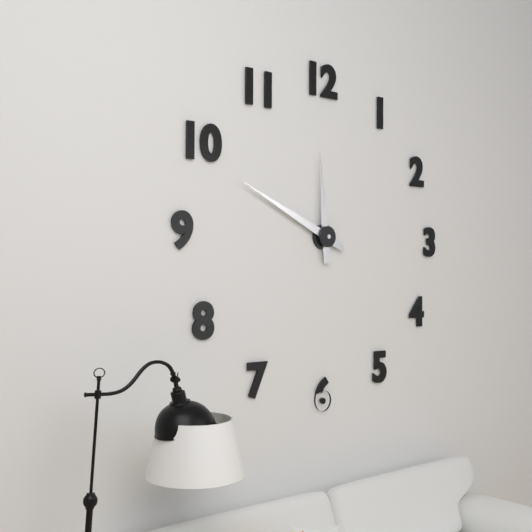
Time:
11.49
